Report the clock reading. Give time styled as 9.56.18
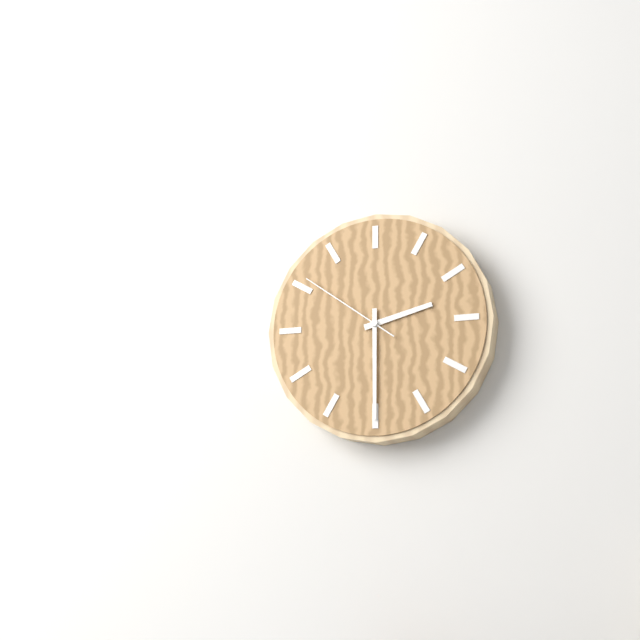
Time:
2.30.51
